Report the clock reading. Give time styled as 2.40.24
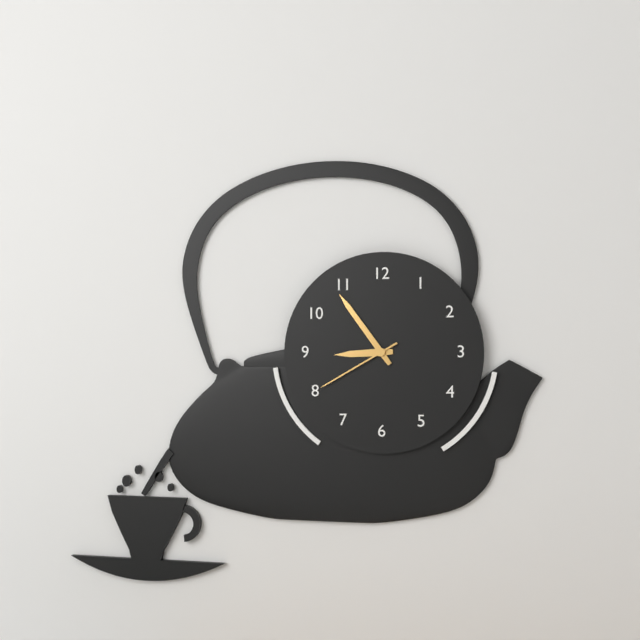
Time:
8.54.40
